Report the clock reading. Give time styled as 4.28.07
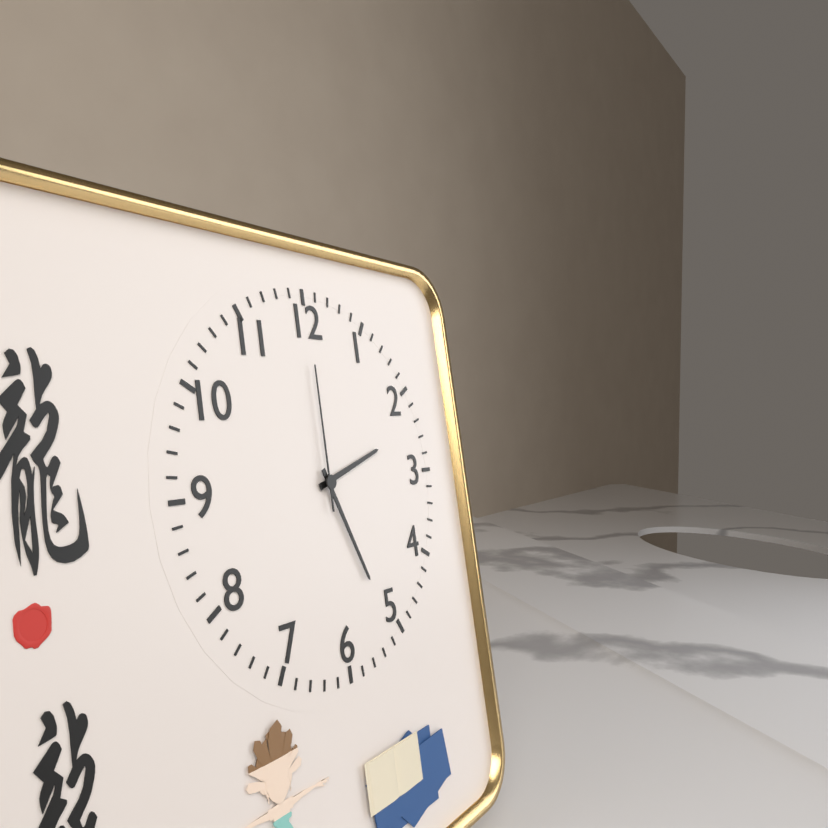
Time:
2.26.00
